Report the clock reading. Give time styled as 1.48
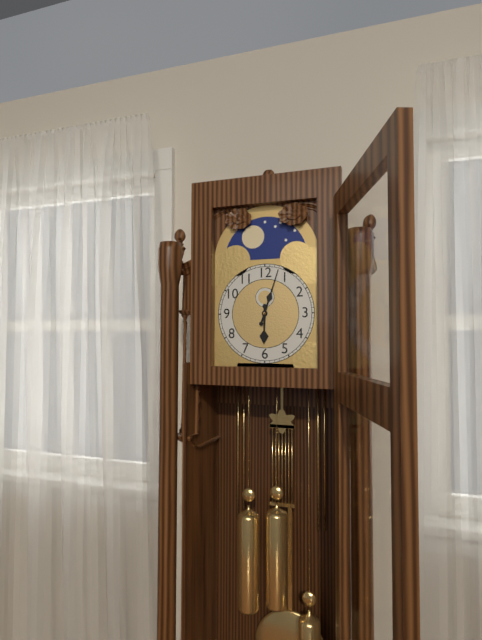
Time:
6.03
